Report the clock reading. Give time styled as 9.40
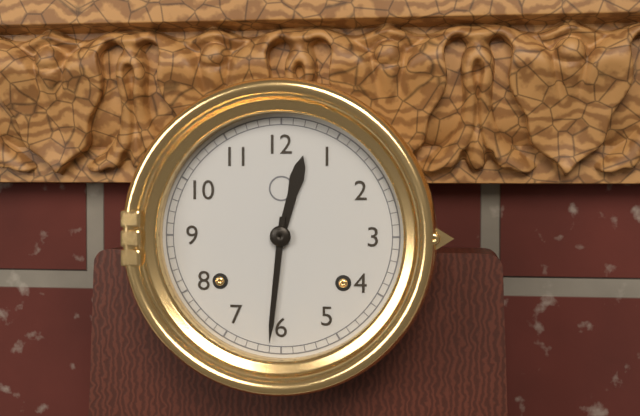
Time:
12.31
